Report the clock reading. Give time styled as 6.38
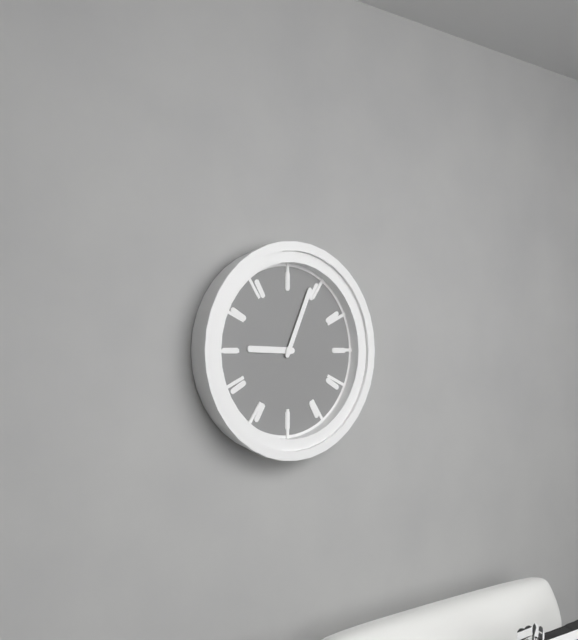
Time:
9.04
